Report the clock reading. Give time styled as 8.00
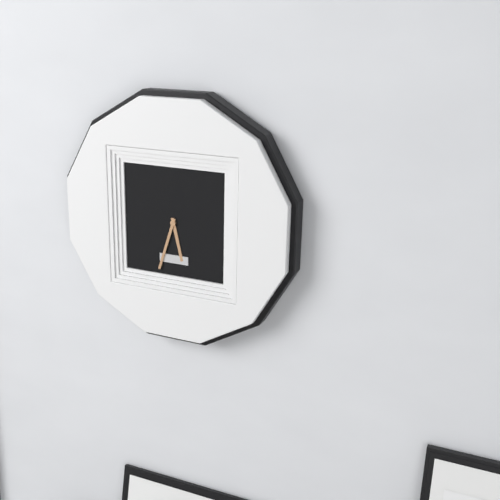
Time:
5.33
